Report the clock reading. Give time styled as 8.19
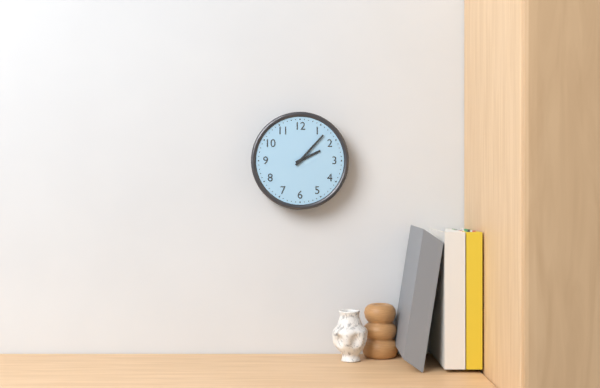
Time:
2.07
